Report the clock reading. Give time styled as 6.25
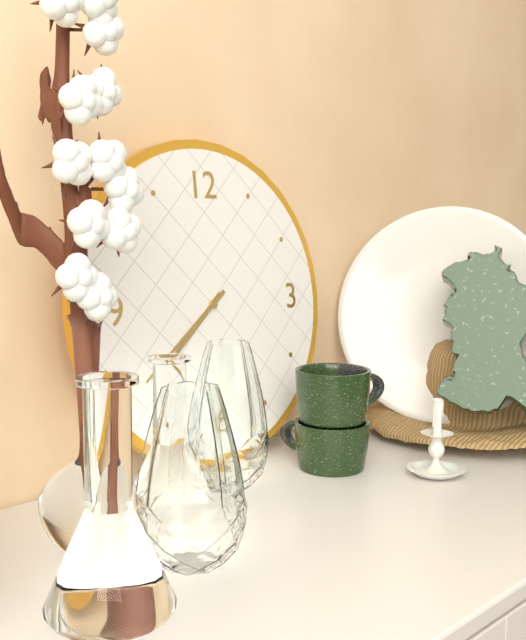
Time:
7.39
